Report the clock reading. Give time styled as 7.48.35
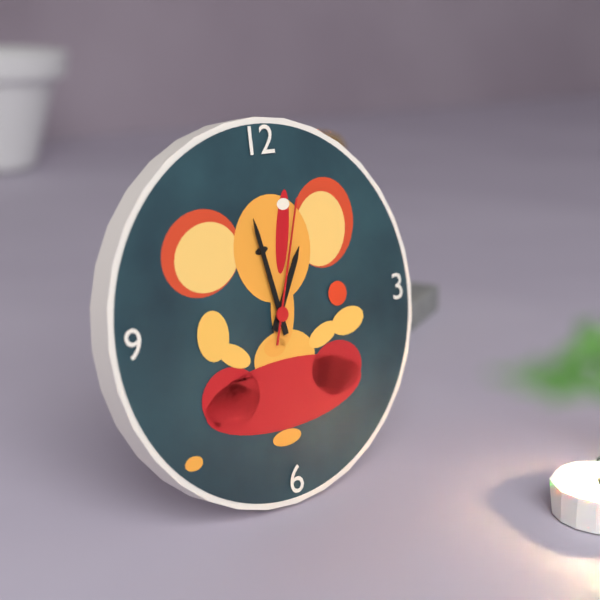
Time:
12.58.03
